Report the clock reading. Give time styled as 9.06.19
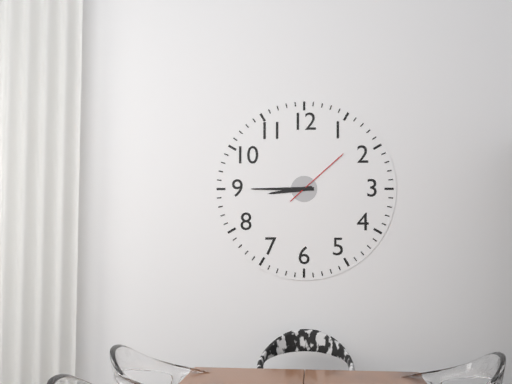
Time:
8.45.08
